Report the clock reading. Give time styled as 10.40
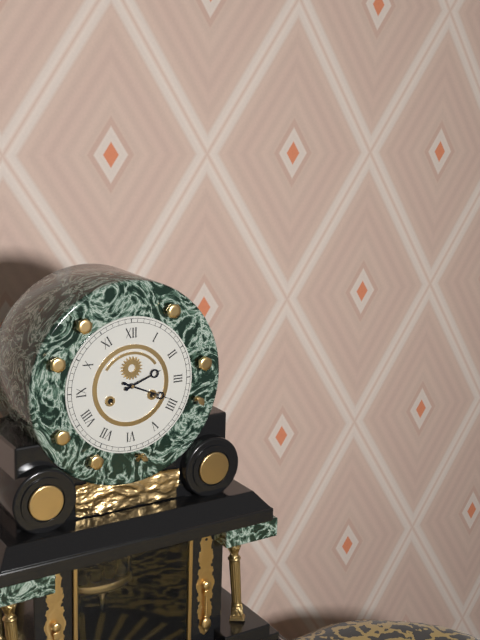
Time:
2.19
